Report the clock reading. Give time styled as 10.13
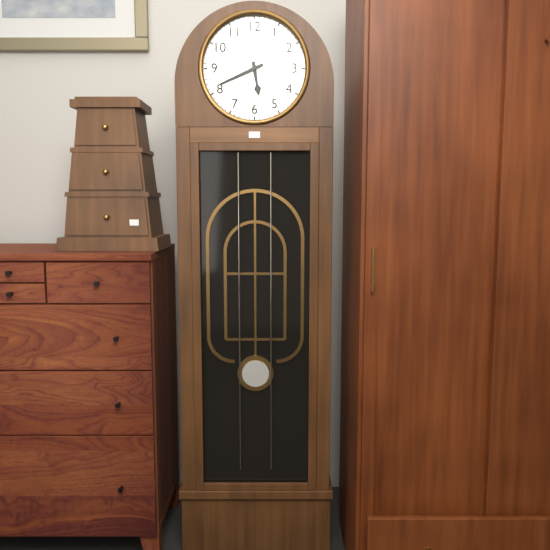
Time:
5.41
